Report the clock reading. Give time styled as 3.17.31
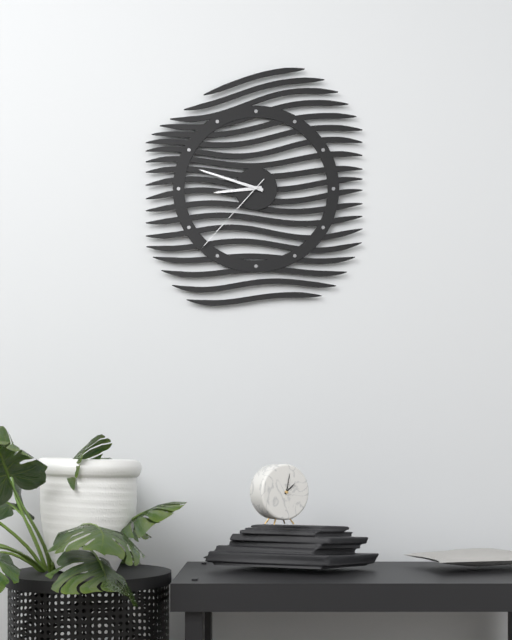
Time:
8.48.37
